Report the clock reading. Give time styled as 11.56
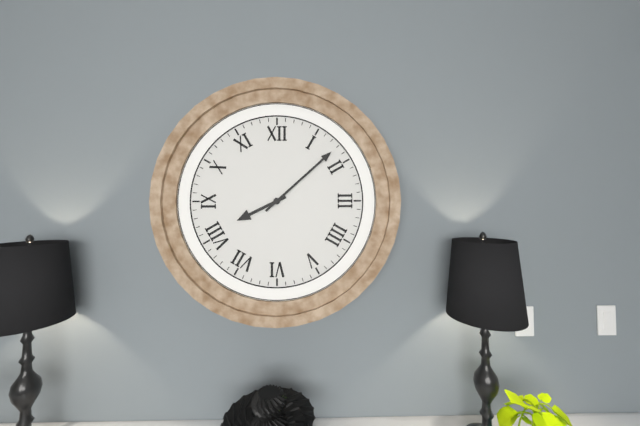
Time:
8.08
